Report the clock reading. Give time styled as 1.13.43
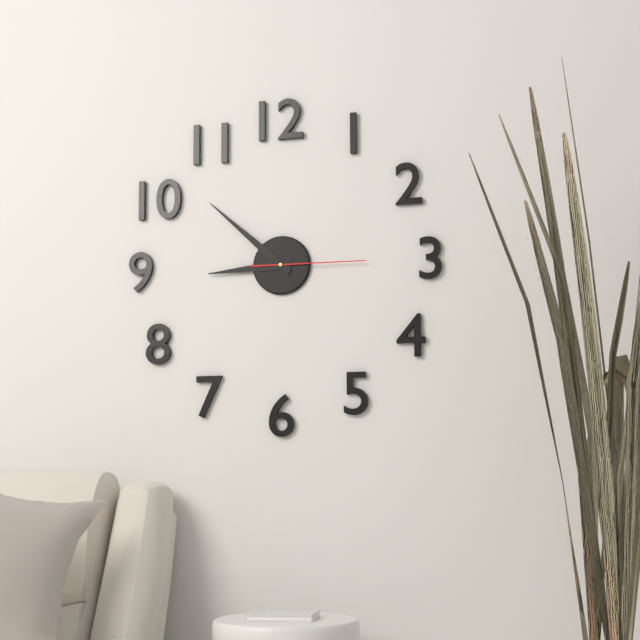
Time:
8.52.15
